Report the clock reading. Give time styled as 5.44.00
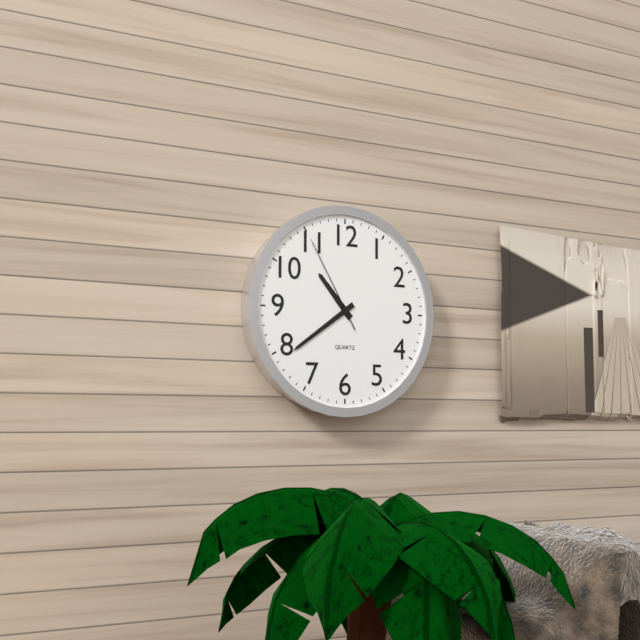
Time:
10.39.55
